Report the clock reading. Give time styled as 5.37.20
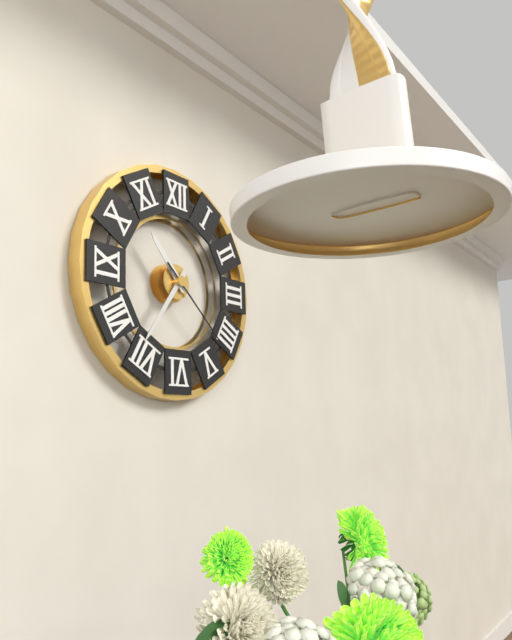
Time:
10.36.22
